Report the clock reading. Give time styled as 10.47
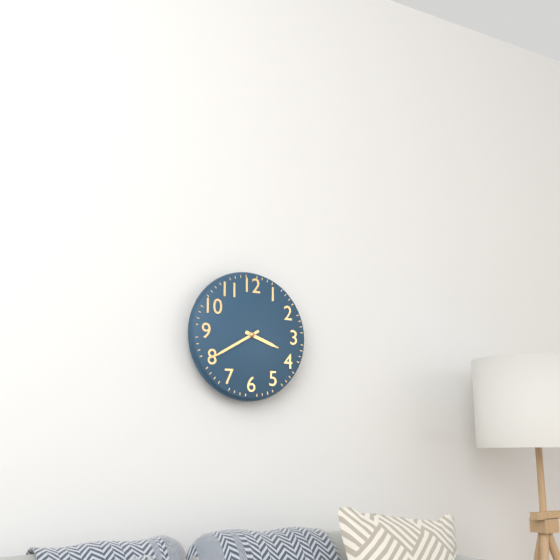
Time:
3.40
